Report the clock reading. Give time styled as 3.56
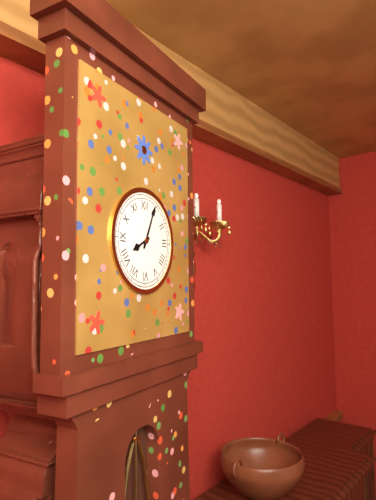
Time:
8.04
